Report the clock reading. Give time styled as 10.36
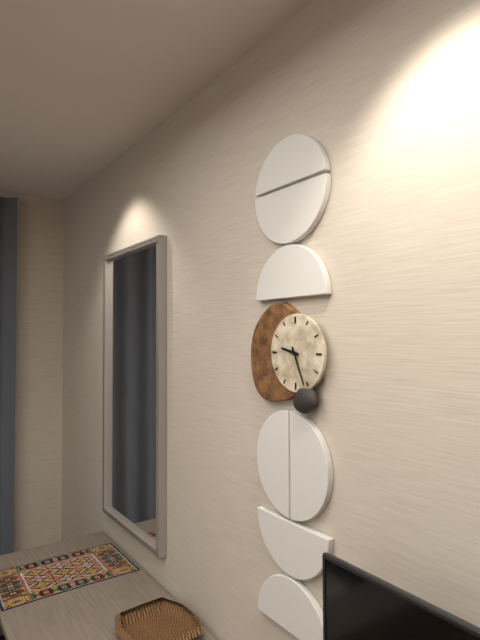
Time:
9.26
